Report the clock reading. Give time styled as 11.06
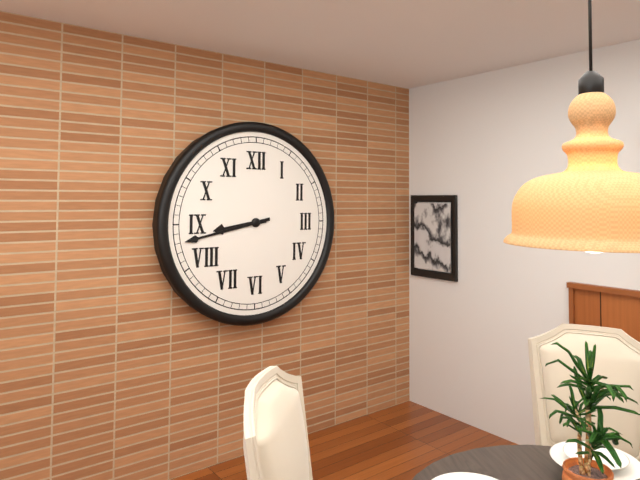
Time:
8.43
